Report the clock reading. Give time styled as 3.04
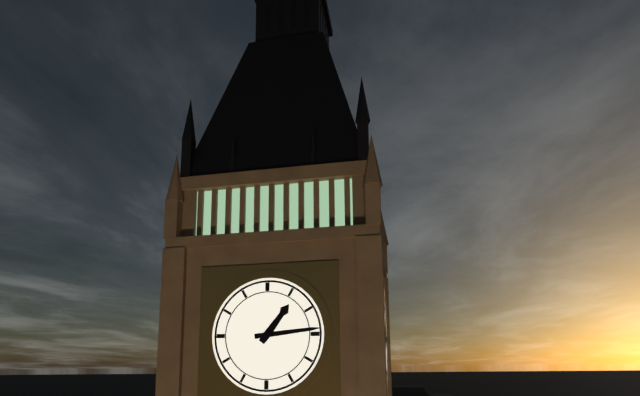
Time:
1.14
